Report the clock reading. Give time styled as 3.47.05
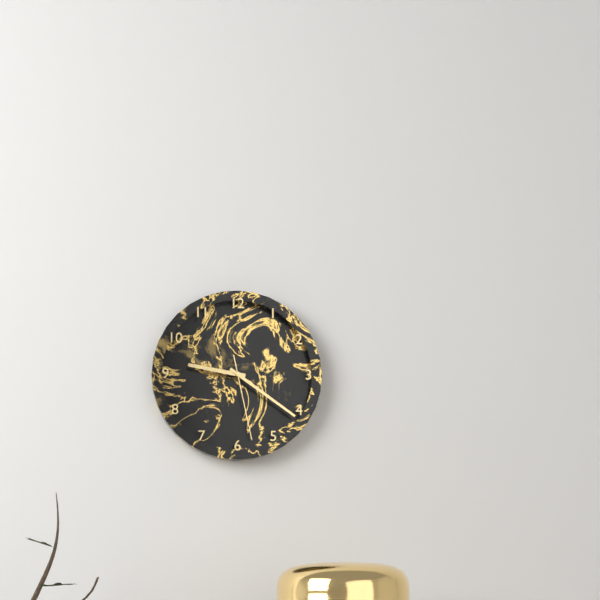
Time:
9.21.28
